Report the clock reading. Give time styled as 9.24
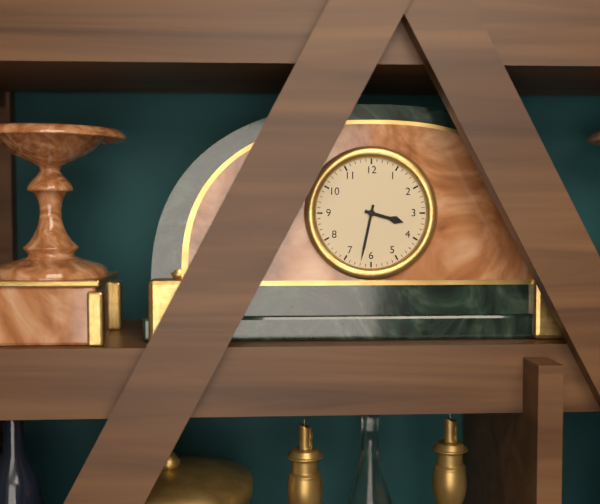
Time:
3.32
